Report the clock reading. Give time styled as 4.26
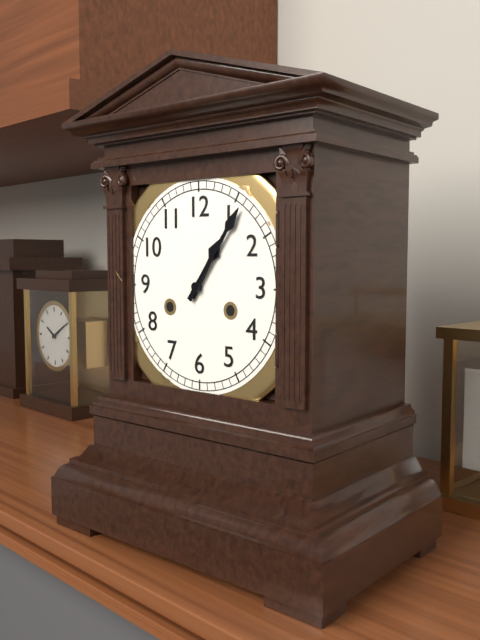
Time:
1.06
